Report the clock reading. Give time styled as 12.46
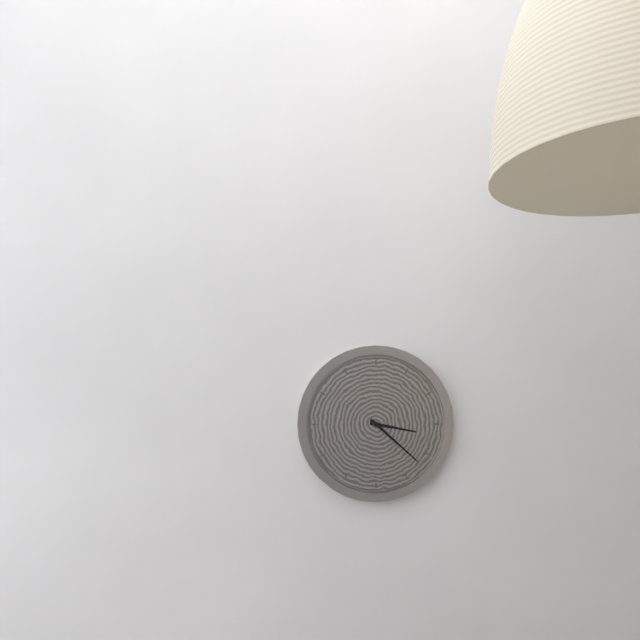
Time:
3.22
